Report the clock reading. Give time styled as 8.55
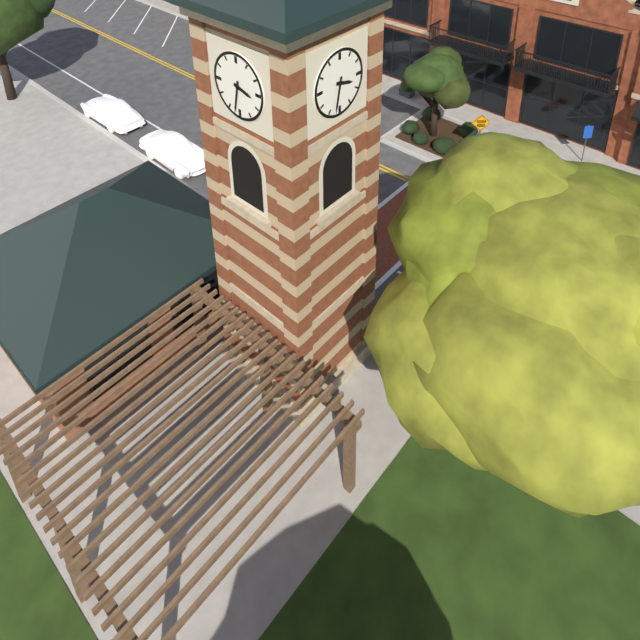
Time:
3.32
